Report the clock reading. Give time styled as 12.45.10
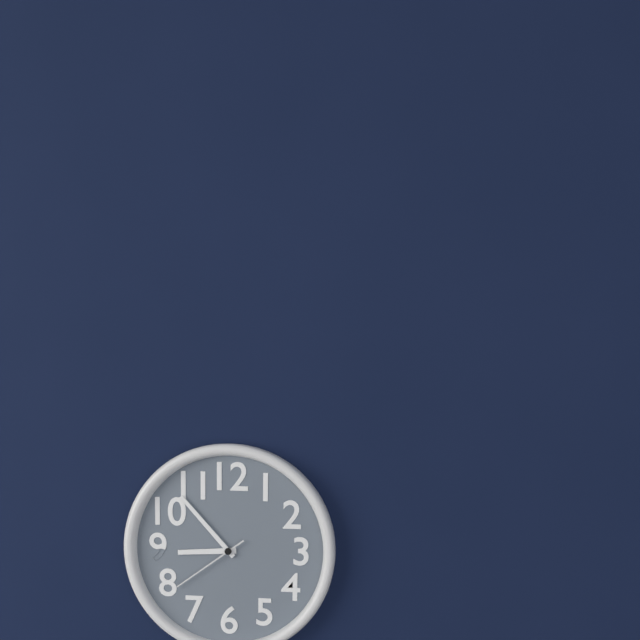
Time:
8.53.39
